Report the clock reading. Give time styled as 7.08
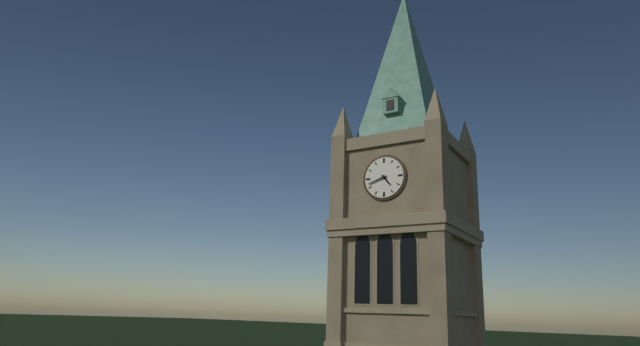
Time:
4.42
